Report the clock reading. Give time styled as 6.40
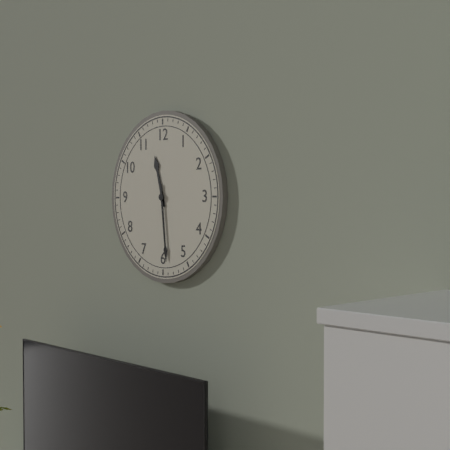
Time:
11.29
